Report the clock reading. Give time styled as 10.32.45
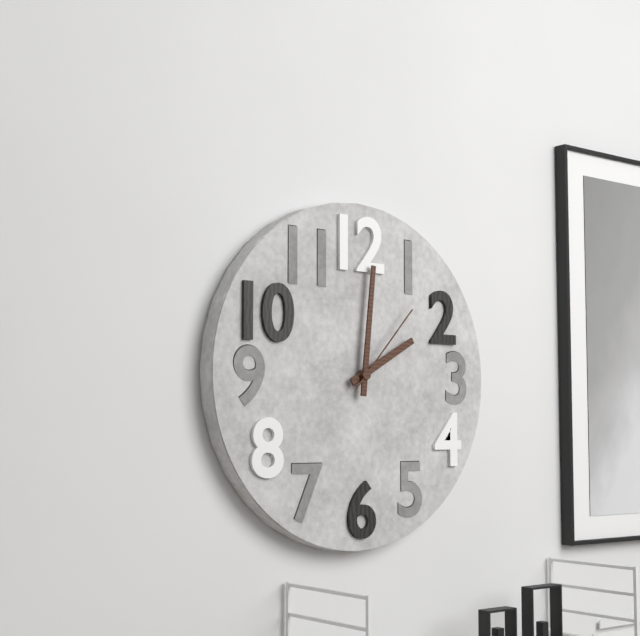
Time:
2.01.07
